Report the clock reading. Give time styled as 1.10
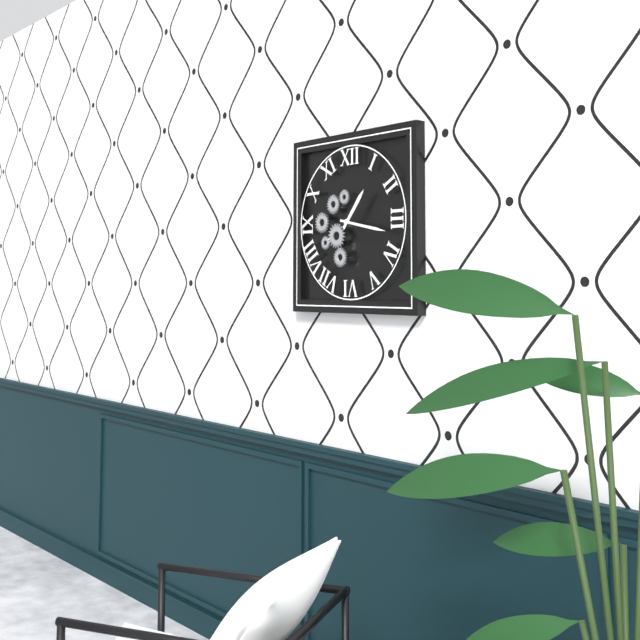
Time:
1.17
